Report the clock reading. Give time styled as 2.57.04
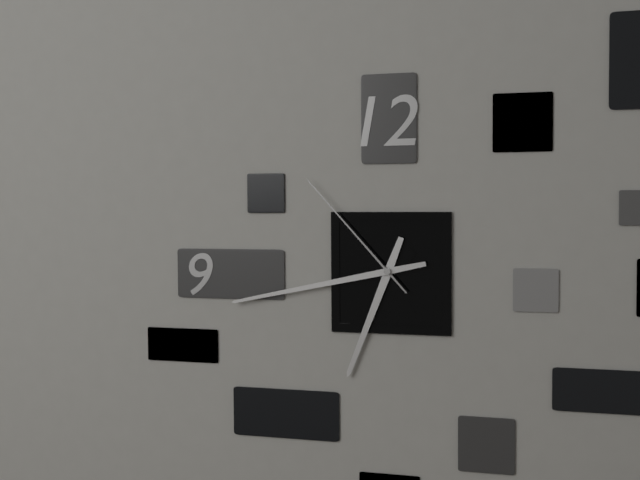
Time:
6.43.53
